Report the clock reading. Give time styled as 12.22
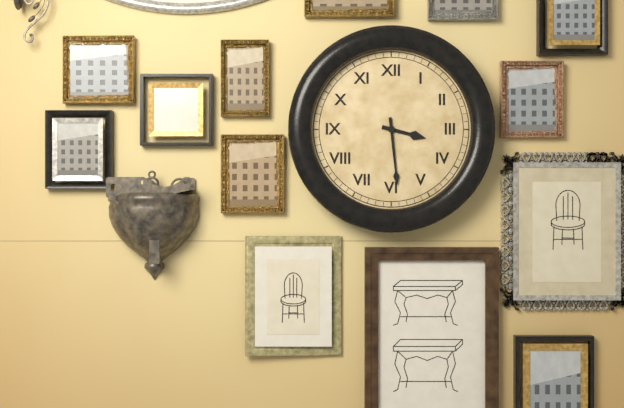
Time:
3.29
